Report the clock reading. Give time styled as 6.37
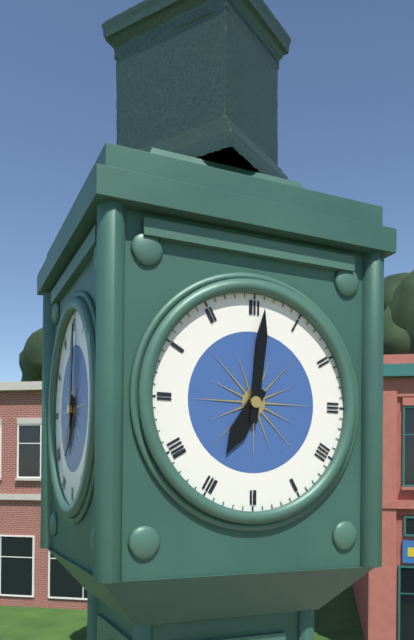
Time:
7.01
